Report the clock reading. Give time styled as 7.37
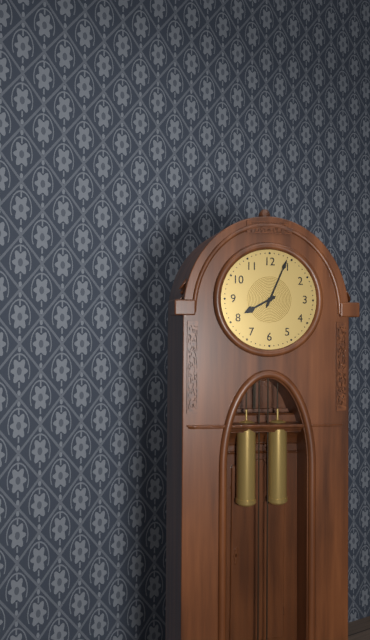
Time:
8.04
